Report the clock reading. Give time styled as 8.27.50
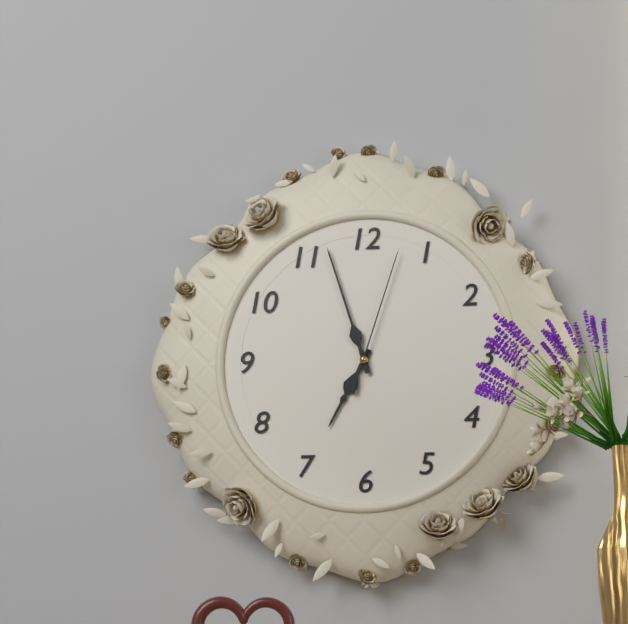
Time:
6.57.03
